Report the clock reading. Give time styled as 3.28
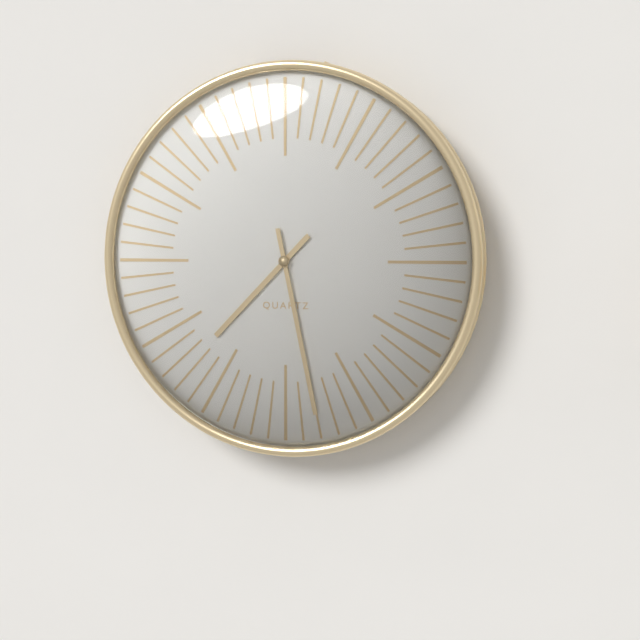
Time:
7.28
